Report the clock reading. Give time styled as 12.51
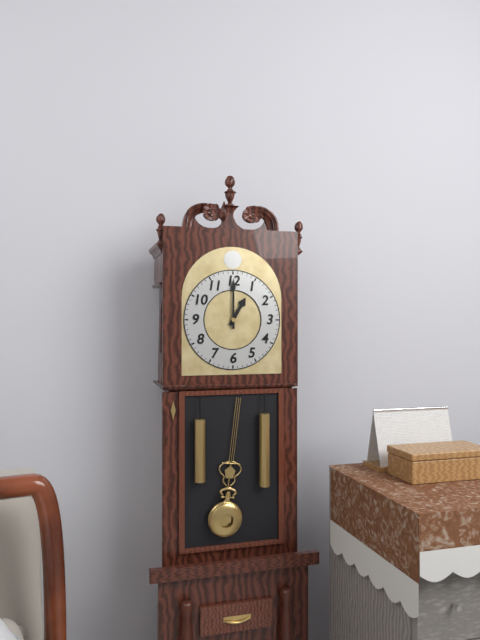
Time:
1.00
